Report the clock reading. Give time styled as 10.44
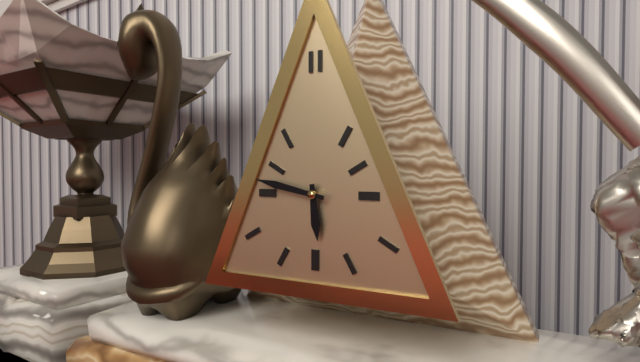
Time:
5.47
